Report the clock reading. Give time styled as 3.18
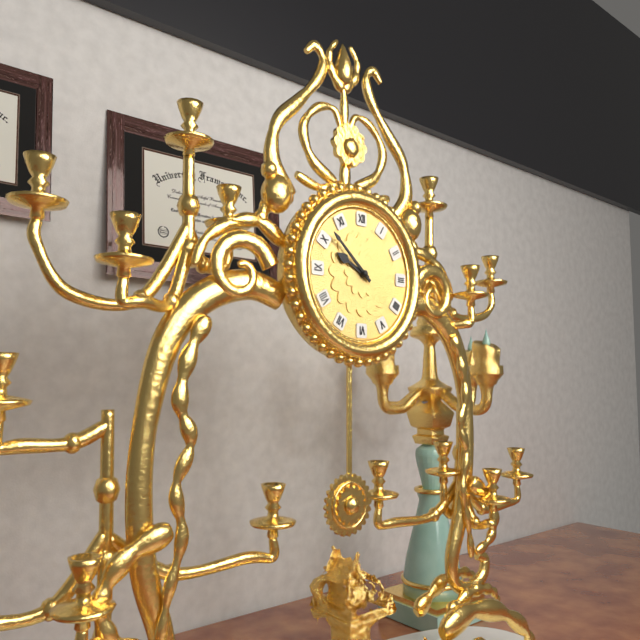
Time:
9.52
